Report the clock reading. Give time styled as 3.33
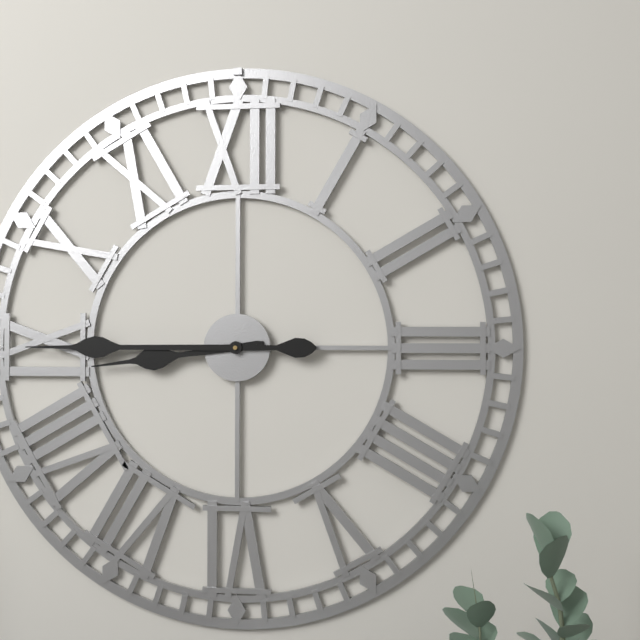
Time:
8.45
